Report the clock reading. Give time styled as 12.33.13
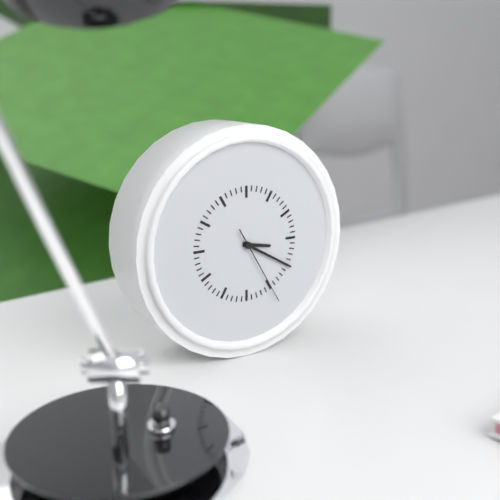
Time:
3.20.25
